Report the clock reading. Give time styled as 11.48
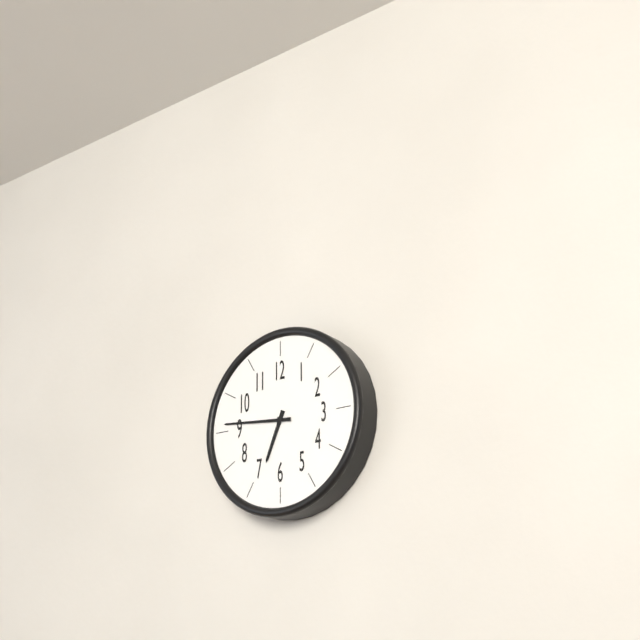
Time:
6.46
